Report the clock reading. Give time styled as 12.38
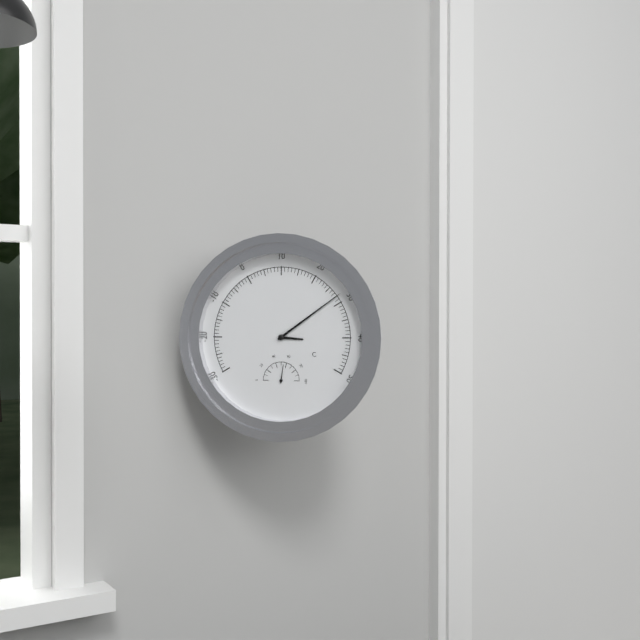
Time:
3.09
